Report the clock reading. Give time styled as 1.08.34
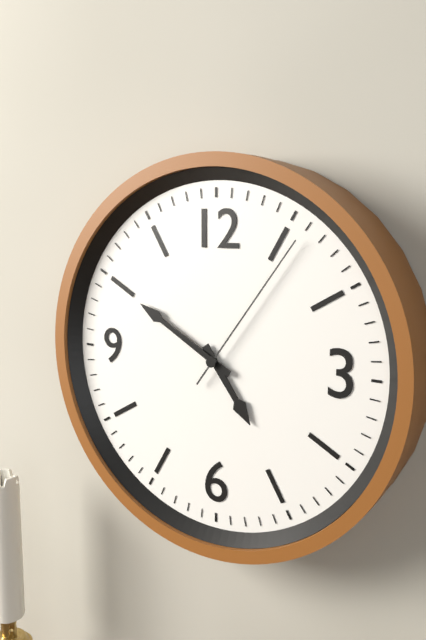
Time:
4.50.06
